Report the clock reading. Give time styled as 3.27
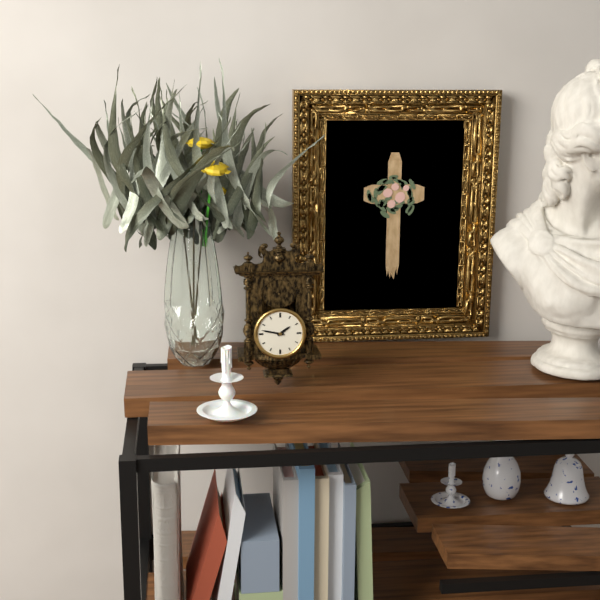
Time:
1.47
